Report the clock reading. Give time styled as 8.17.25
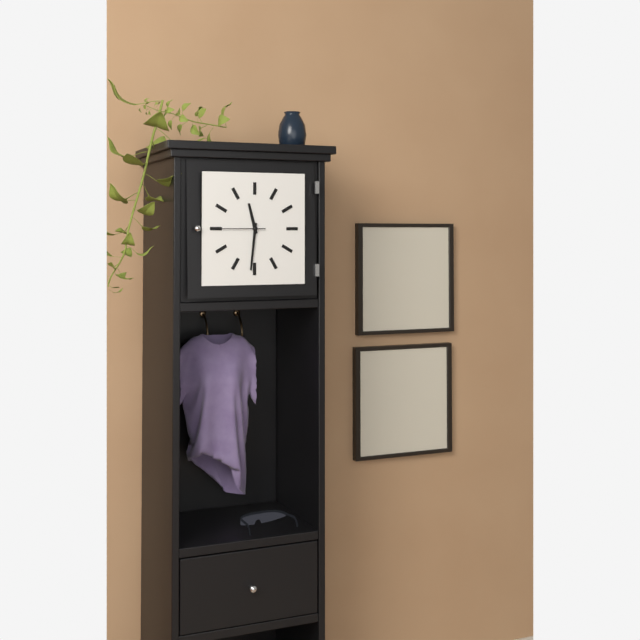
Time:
11.31.45
